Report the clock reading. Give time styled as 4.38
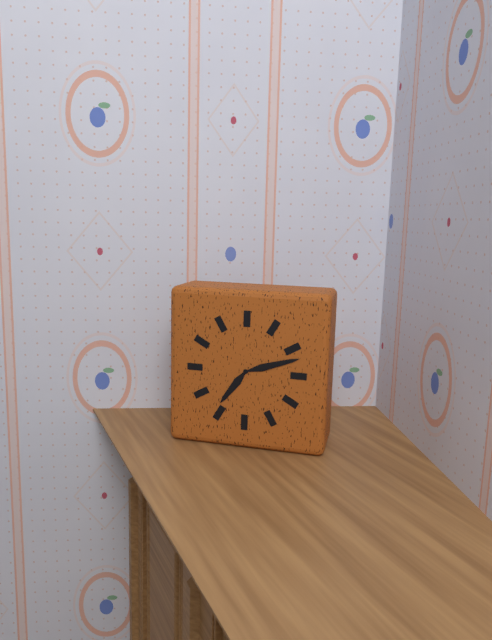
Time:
7.12
